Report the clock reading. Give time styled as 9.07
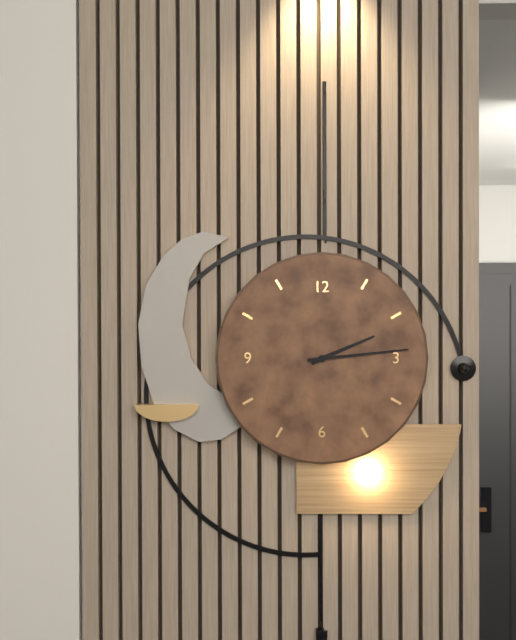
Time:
2.14
